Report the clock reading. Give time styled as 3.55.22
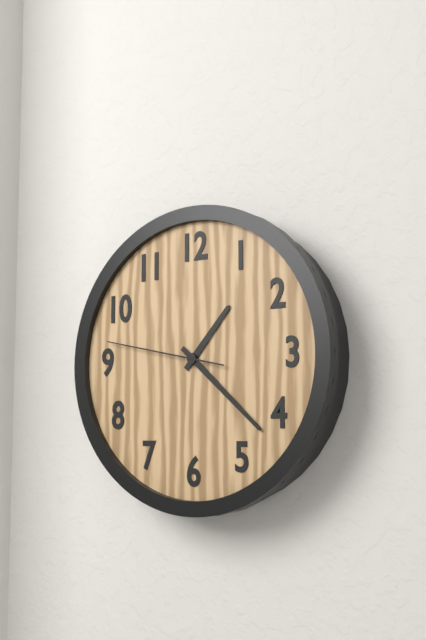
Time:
1.22.47
